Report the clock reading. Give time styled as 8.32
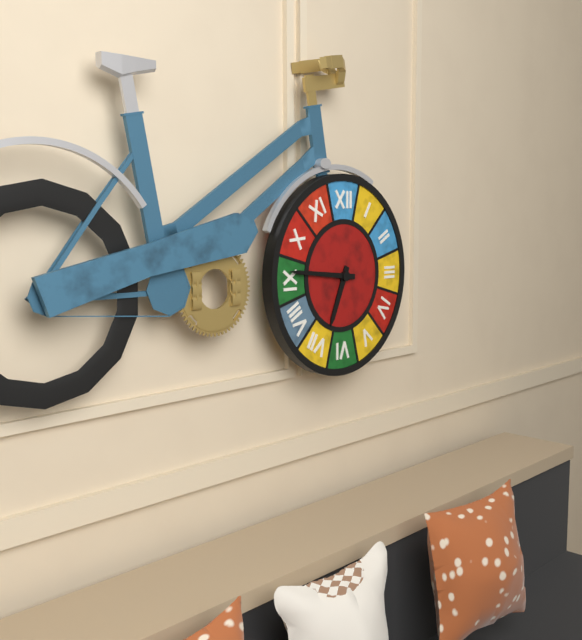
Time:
6.46
